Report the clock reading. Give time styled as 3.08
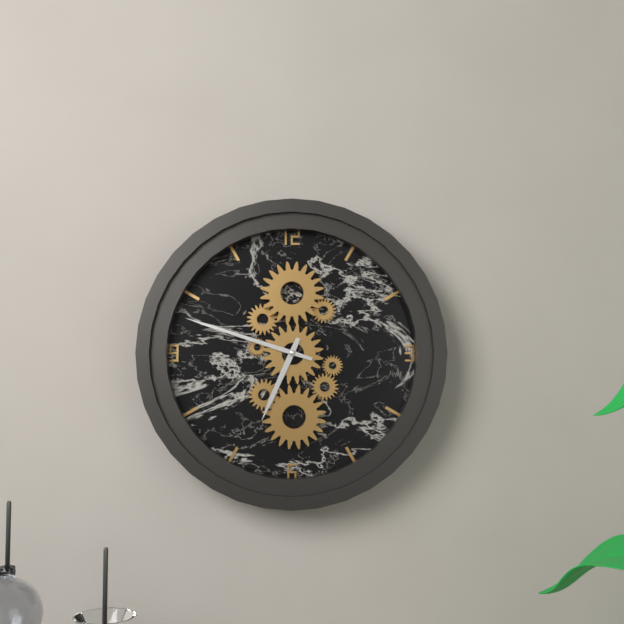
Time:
6.48
